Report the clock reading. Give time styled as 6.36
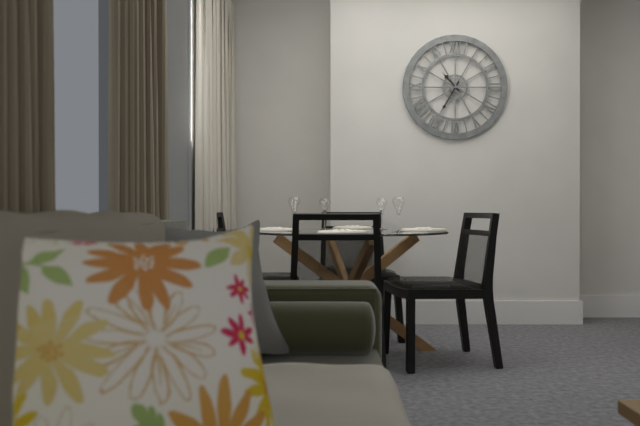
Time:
10.35
